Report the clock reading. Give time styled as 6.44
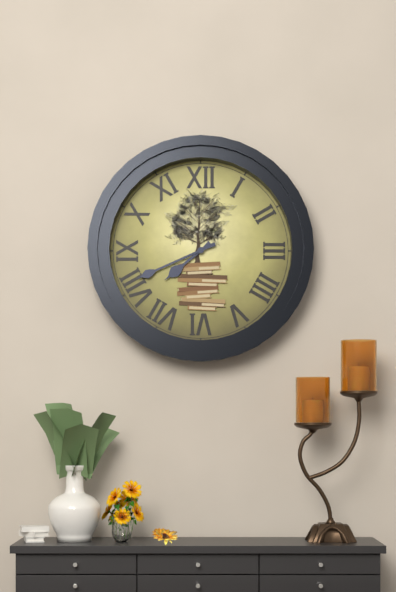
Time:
7.41
